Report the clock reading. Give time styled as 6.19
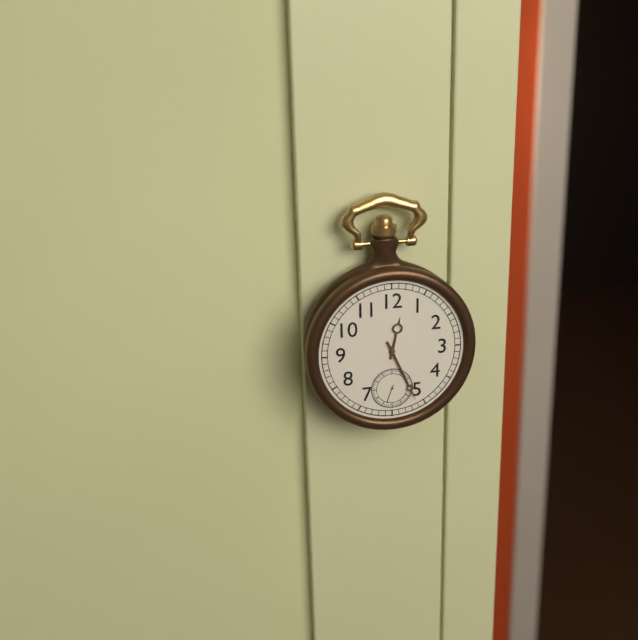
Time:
12.26
